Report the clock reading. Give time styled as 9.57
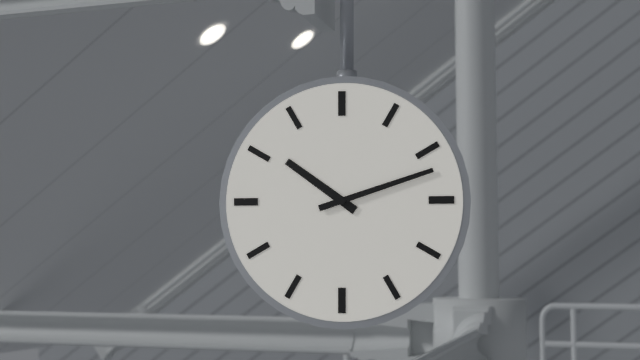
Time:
10.12
